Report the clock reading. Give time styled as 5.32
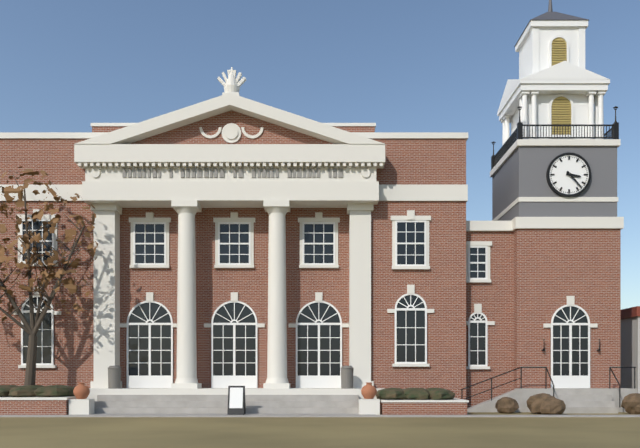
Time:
3.23
